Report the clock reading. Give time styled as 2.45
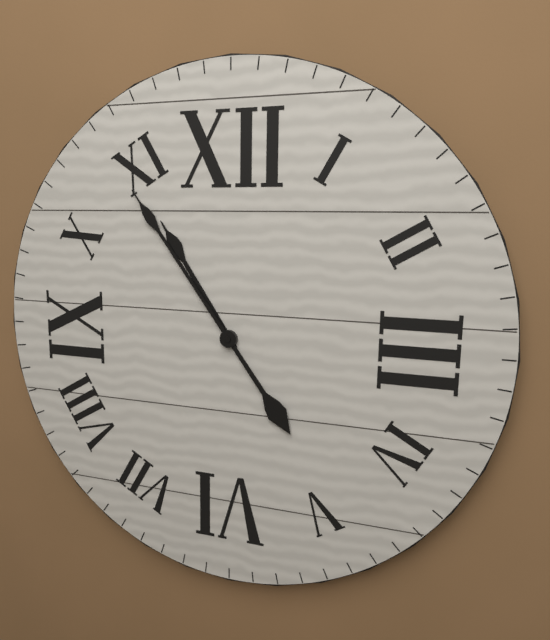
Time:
10.54
